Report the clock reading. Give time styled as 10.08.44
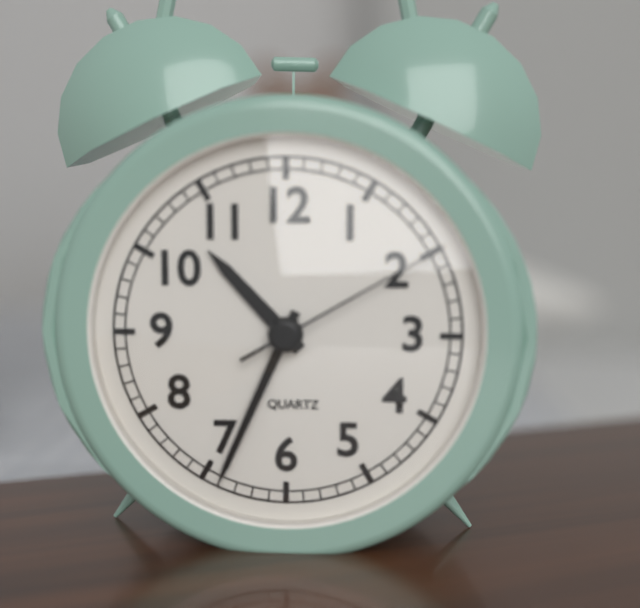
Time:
10.34.10
